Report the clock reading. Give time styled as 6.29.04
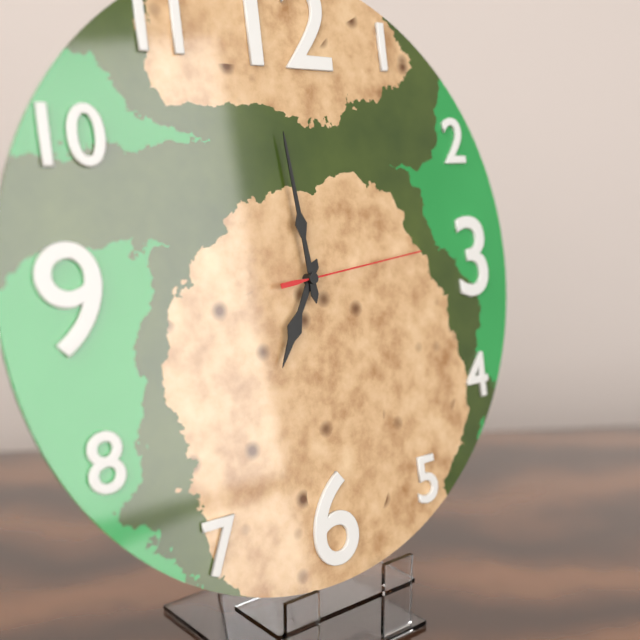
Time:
6.59.14
